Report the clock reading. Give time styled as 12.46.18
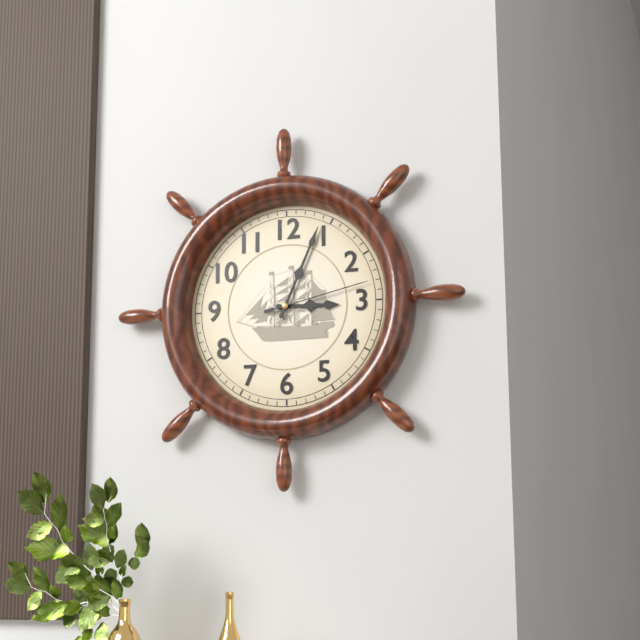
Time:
3.04.13
